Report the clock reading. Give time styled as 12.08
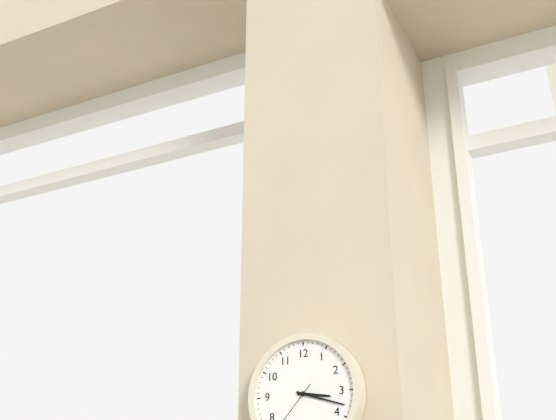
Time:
3.18
